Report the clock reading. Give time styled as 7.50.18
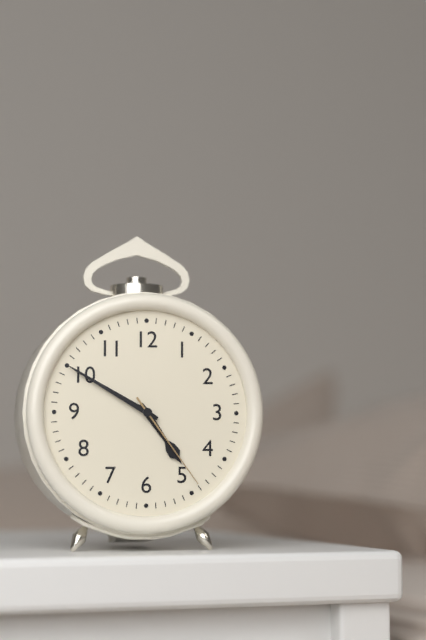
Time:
4.50.24
